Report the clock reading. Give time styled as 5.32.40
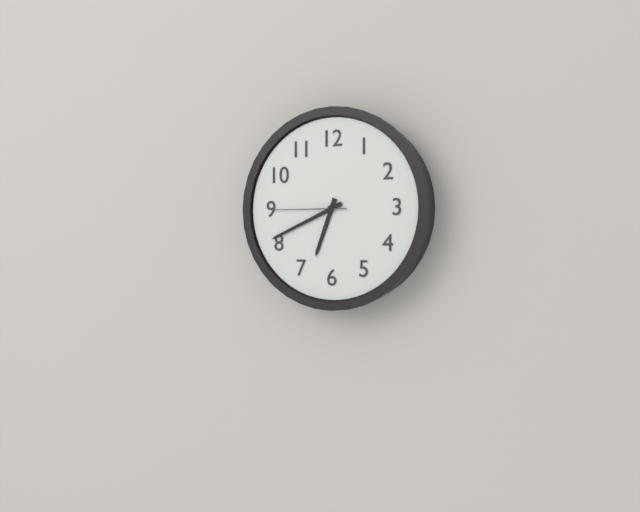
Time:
6.41.45
